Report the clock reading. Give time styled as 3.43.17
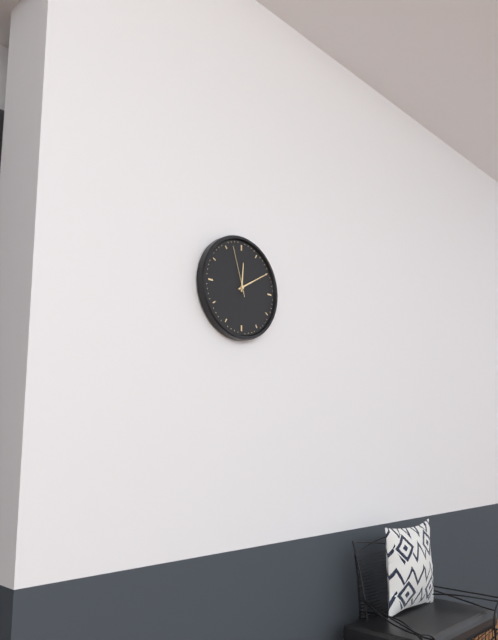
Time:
12.10.57
